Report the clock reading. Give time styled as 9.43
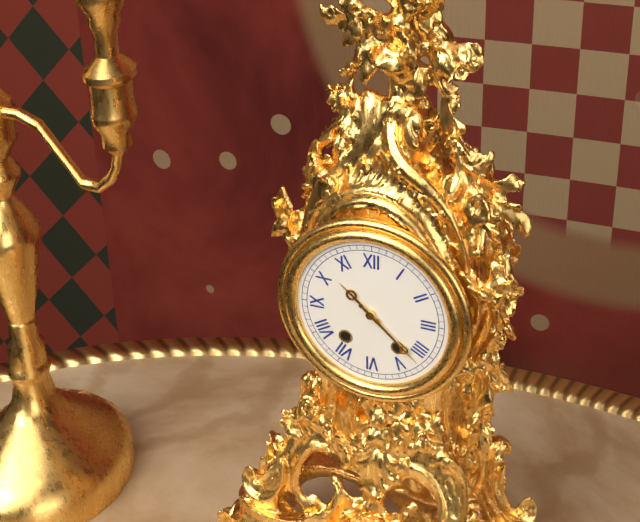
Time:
10.22
